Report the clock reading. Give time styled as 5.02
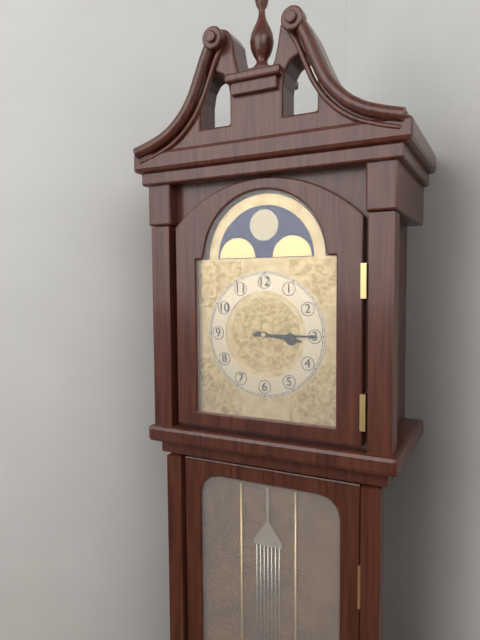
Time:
3.15
